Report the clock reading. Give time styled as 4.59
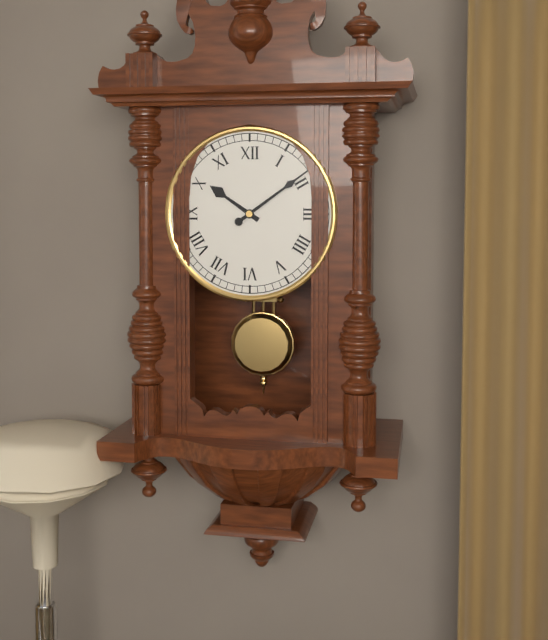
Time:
10.09
